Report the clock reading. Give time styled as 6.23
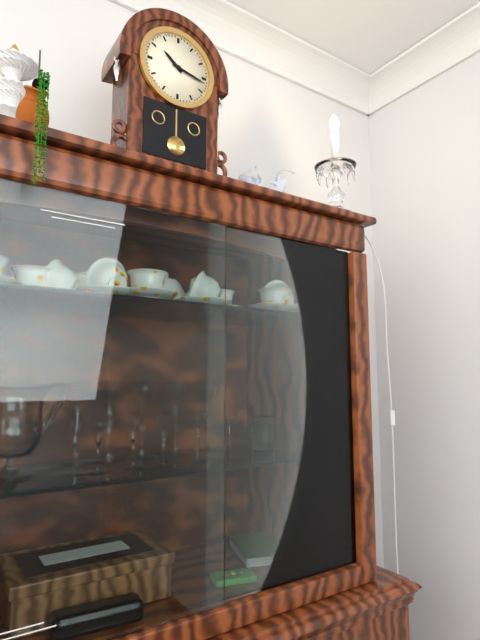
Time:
10.17
